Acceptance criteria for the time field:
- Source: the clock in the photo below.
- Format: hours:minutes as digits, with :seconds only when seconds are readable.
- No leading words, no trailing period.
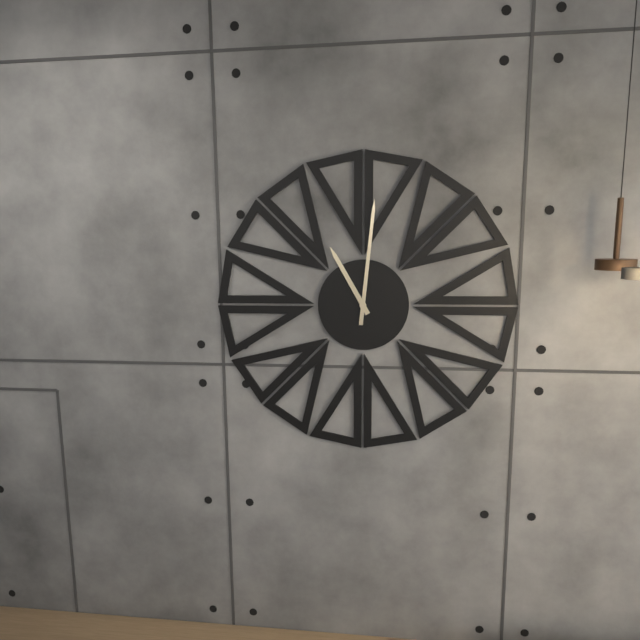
11:01
